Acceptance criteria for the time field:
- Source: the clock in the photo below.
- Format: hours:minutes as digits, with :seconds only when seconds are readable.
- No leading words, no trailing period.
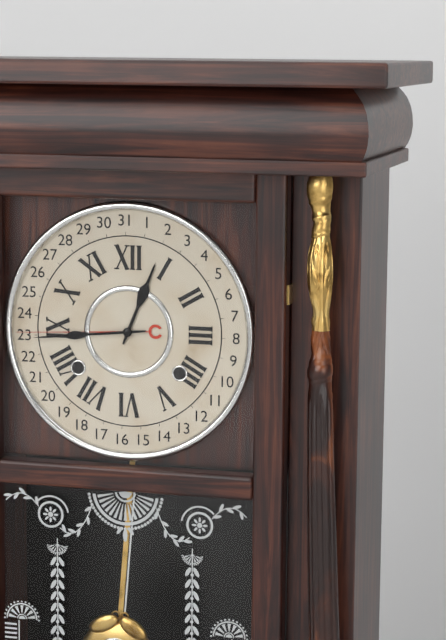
12:44
